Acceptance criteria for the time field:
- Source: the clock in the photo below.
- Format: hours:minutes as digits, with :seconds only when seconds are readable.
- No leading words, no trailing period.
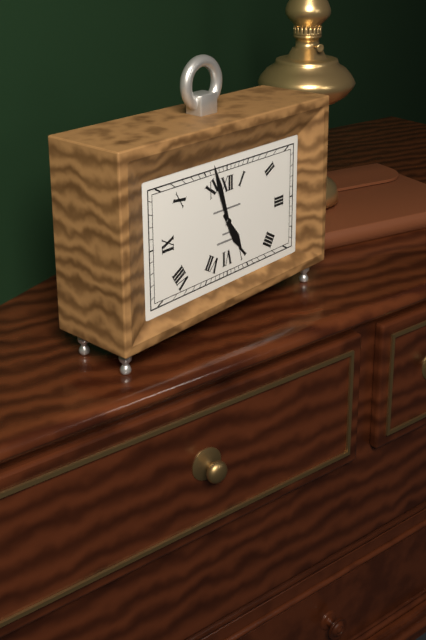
4:57
